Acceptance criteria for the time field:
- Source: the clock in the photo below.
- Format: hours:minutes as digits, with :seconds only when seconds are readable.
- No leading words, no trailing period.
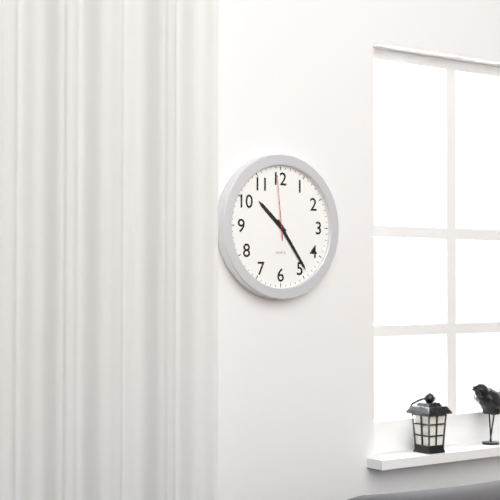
10:24:59
